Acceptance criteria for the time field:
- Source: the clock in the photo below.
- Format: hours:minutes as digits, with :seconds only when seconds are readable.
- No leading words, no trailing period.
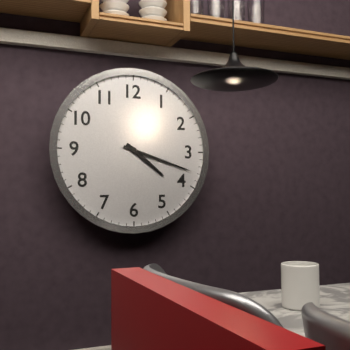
4:18
